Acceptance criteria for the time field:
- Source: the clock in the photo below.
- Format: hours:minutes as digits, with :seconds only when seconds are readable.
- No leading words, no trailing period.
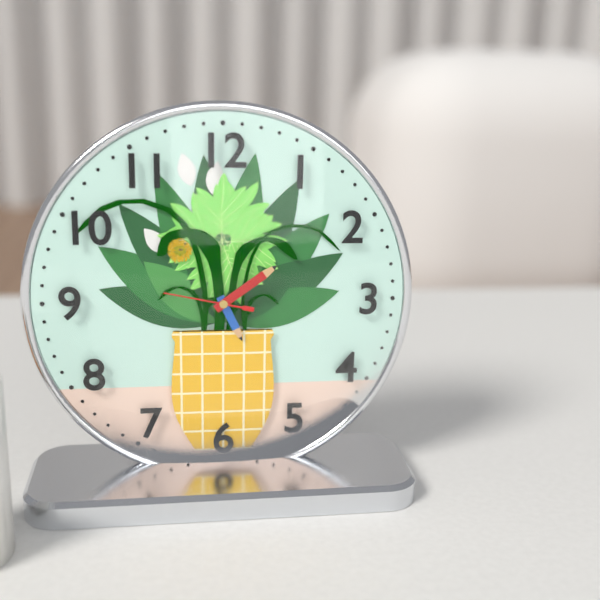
5:09:47
